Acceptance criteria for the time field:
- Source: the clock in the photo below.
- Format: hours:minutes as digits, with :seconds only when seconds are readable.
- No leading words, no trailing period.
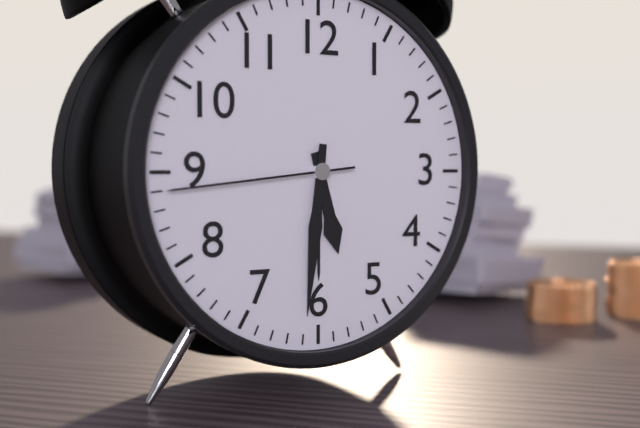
5:31:44
